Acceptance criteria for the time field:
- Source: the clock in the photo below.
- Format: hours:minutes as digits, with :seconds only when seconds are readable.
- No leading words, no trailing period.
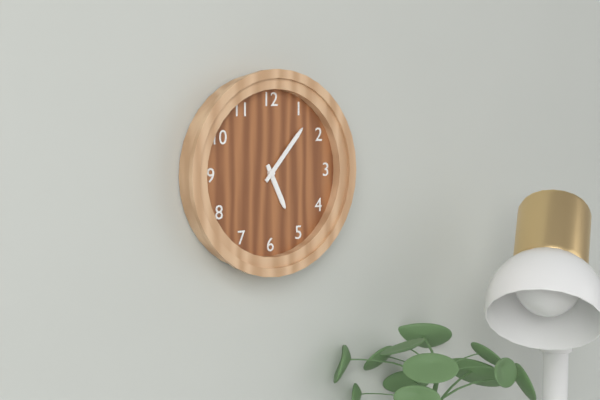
5:07
